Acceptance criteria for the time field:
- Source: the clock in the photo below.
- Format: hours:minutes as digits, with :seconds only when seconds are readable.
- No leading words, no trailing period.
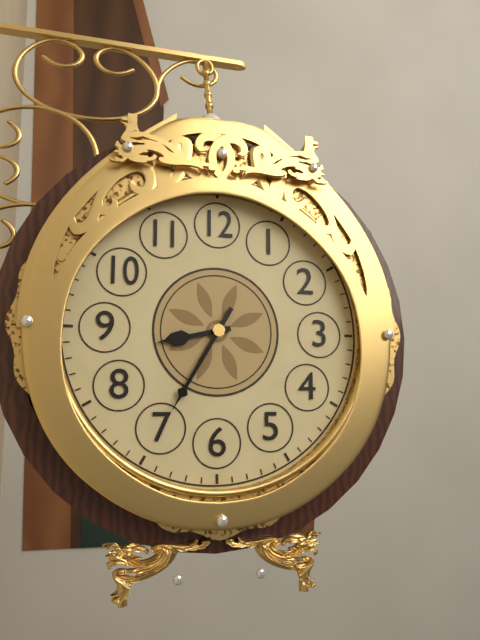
8:35
